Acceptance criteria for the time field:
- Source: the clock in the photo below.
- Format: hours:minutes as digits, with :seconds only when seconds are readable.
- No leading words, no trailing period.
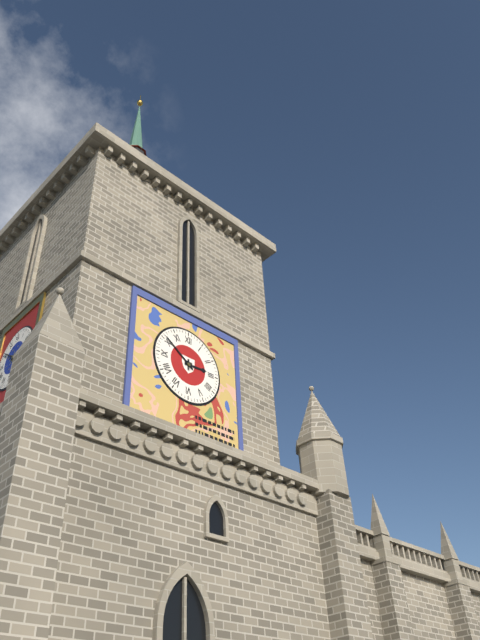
2:51
